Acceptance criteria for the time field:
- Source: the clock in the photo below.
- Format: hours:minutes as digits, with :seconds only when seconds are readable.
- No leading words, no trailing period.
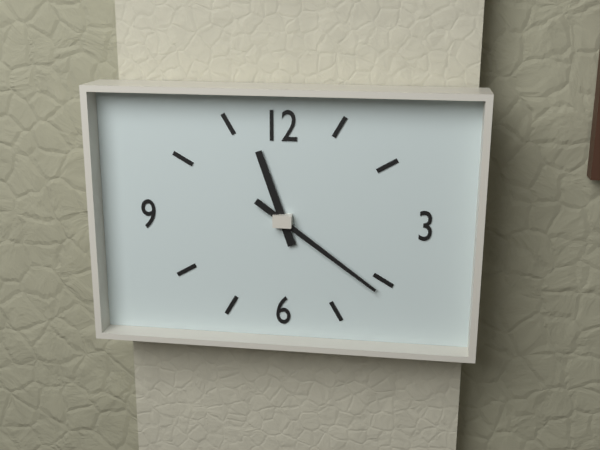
11:21
